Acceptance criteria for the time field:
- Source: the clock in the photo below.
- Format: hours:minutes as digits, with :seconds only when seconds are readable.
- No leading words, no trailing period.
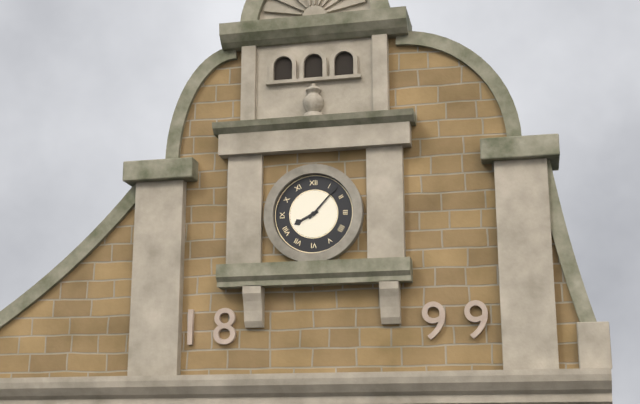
8:07
